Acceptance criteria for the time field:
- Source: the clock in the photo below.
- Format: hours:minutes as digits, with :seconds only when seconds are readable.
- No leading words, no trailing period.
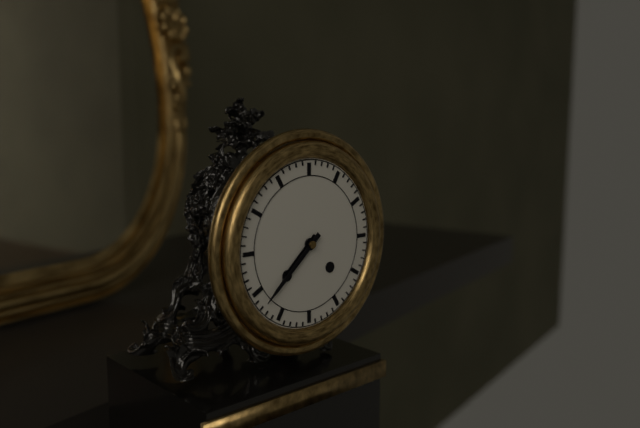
7:38
